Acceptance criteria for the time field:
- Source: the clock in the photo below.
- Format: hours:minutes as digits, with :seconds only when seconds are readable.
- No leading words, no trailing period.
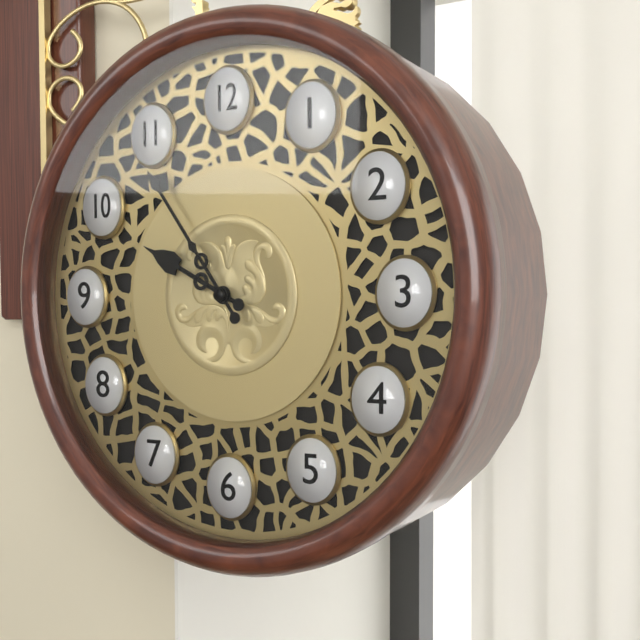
9:54
